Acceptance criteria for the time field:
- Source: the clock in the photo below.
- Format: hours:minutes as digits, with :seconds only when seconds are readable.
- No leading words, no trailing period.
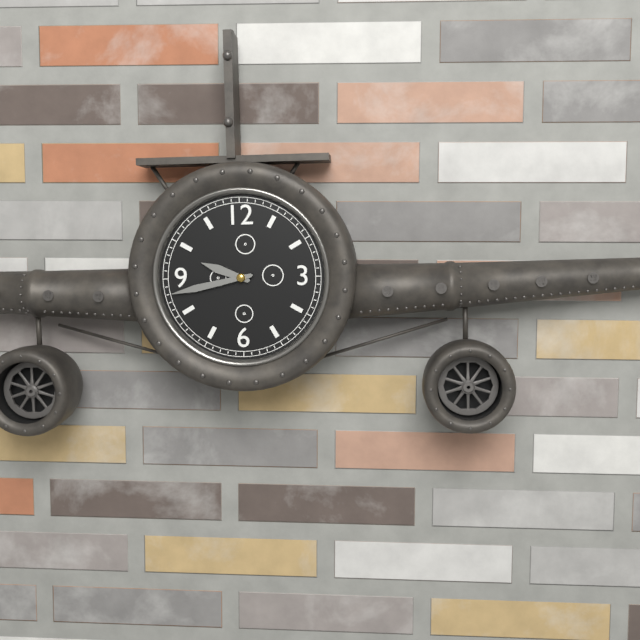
9:43
